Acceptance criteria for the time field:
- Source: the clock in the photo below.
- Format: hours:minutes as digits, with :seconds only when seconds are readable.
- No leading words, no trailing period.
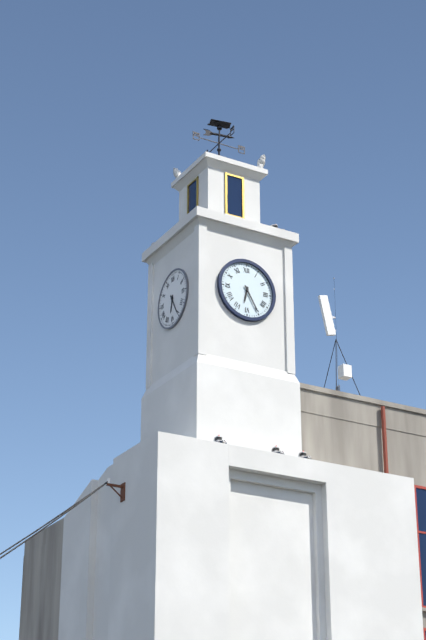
6:25
